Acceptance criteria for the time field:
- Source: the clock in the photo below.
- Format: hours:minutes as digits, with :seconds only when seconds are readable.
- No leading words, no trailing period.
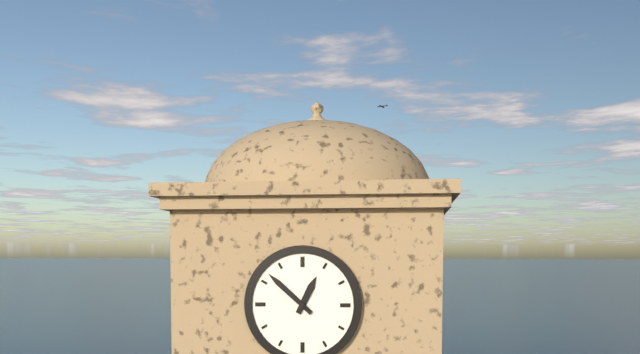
12:52
